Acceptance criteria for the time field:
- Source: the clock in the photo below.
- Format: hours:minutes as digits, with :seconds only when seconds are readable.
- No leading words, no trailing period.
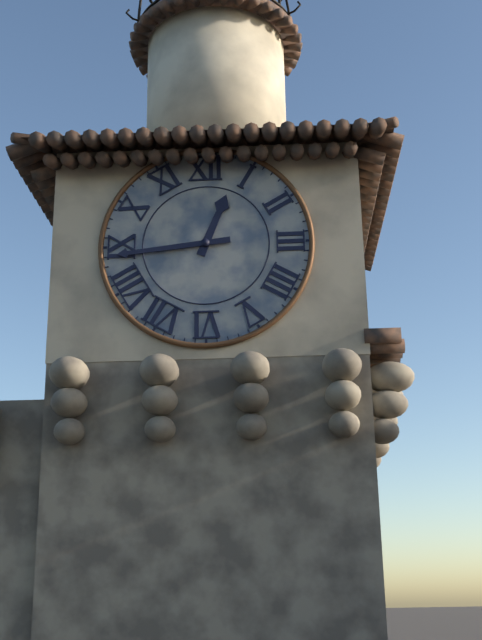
12:44
